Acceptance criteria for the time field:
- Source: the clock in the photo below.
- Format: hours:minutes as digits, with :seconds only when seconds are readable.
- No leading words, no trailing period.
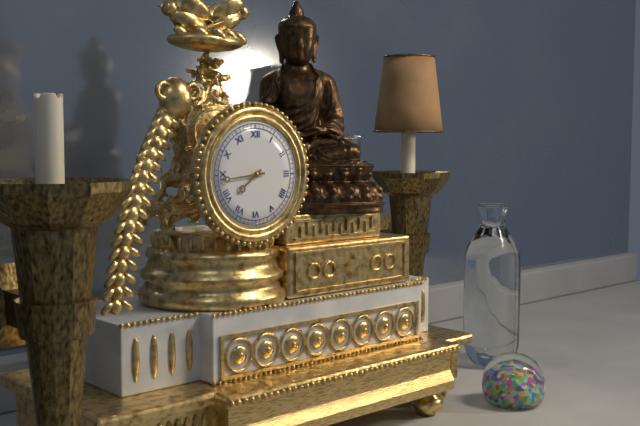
7:44
